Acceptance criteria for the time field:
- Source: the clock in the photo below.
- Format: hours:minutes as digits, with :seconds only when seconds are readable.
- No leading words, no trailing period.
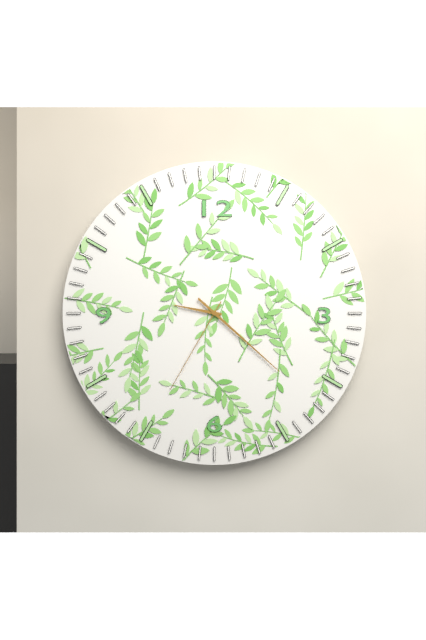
9:22:35
